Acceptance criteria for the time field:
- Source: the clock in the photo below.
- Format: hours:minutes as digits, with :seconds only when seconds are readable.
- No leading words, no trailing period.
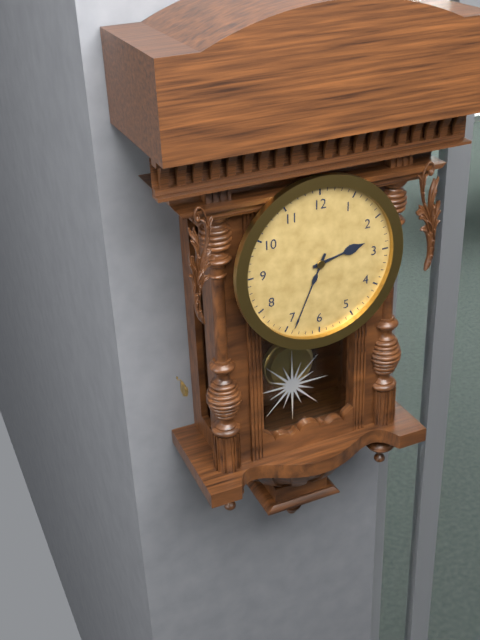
2:34
